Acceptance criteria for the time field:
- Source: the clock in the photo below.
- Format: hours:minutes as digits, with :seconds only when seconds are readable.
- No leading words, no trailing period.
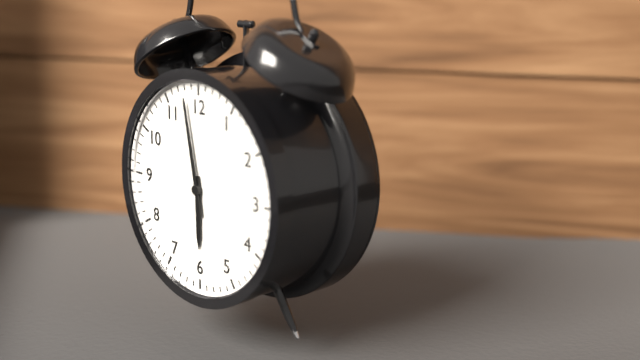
5:58
